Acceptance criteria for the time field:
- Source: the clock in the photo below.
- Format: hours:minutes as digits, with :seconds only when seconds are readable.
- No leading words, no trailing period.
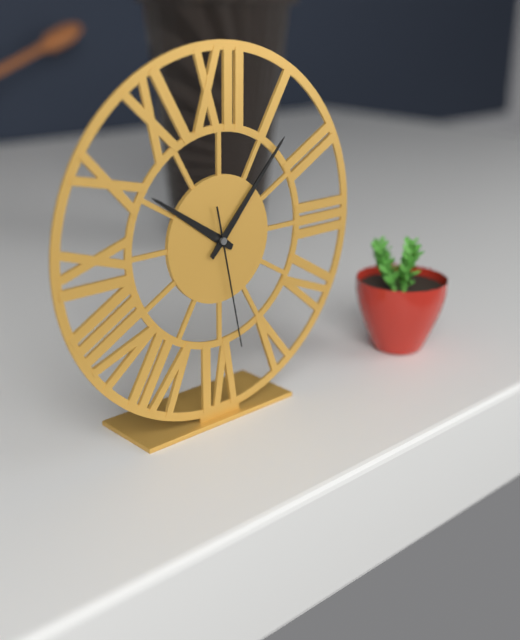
10:07:28
